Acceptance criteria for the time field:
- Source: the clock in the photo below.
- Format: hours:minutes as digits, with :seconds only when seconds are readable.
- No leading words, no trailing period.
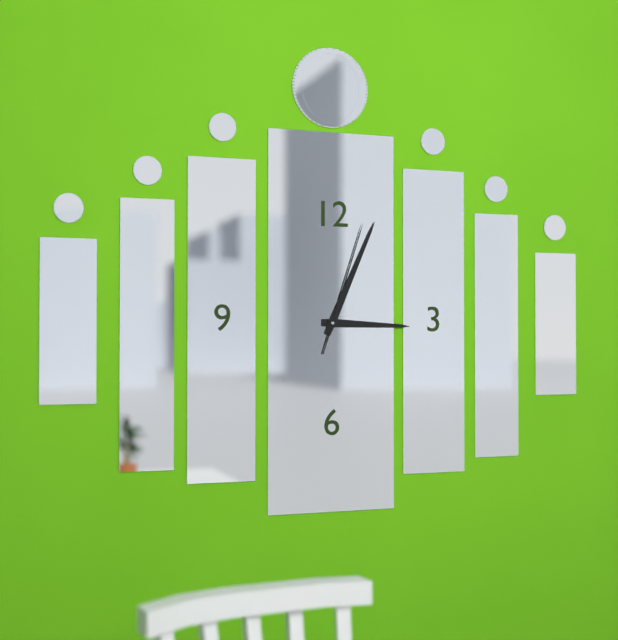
3:04:03
